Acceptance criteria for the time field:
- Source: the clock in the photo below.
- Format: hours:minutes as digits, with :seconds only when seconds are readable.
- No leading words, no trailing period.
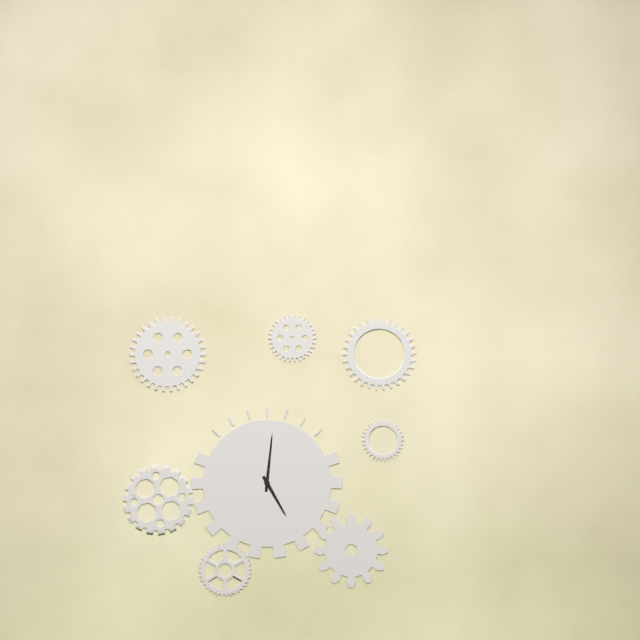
5:01
